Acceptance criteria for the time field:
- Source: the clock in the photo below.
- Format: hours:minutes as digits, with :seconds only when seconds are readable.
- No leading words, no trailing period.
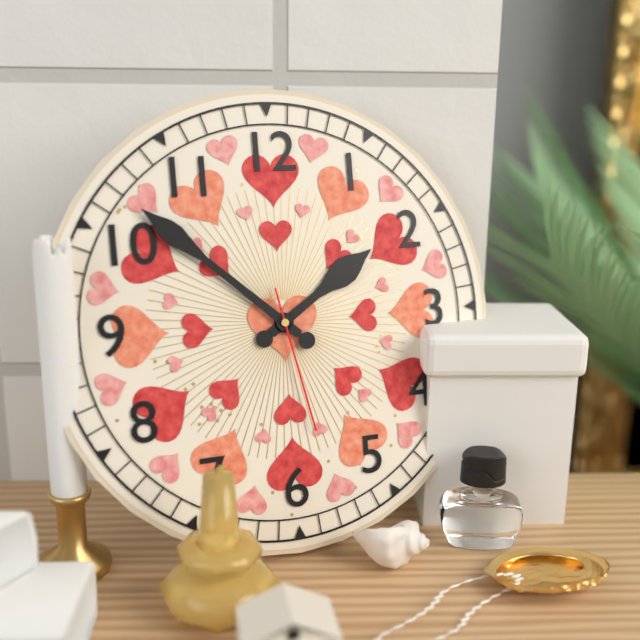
1:52:28
